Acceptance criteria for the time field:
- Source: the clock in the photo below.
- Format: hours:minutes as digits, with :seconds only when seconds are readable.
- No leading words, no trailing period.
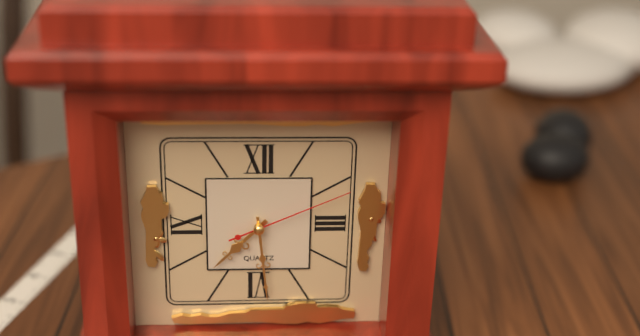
7:29:11
